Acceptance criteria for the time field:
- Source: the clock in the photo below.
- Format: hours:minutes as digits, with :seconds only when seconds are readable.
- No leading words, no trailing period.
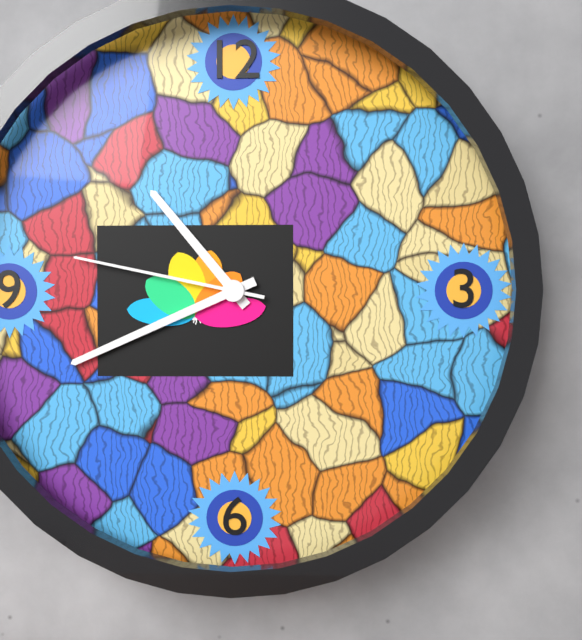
10:41:47
